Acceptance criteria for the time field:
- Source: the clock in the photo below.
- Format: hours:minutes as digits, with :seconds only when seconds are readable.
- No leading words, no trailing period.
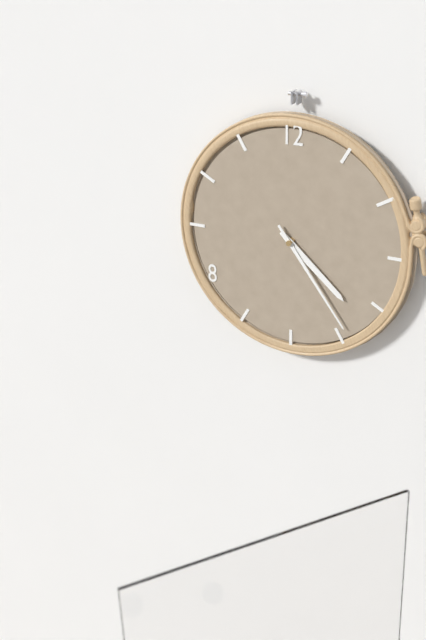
4:24
